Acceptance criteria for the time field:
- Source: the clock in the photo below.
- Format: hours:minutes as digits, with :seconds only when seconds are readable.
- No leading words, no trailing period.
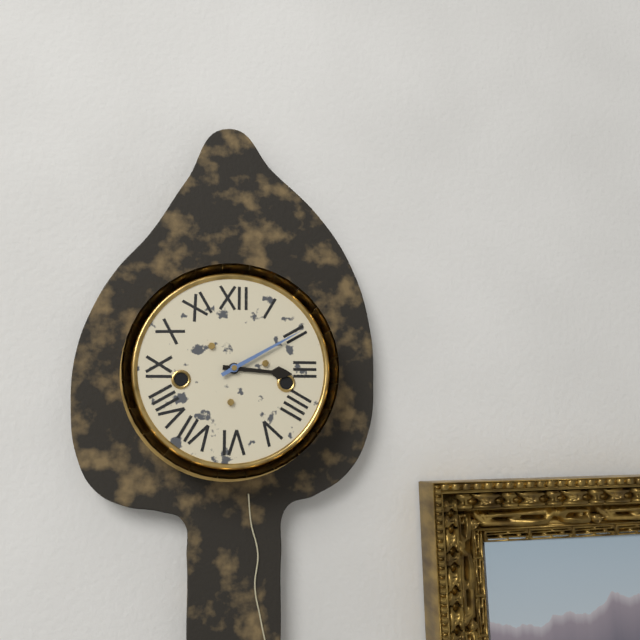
3:10
